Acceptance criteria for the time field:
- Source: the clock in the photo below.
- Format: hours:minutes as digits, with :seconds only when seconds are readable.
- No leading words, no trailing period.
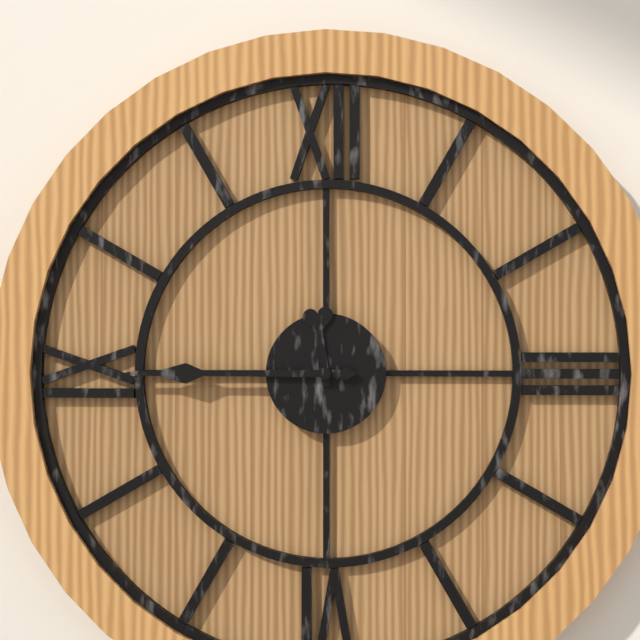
11:45
